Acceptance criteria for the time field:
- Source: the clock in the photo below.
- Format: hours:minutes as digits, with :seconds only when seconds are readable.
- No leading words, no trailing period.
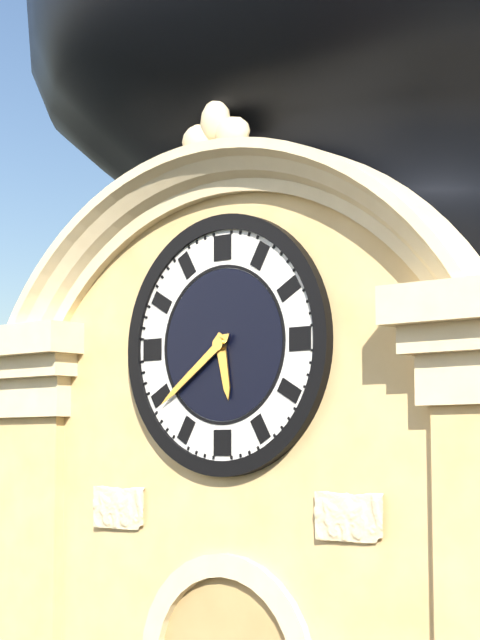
5:39
